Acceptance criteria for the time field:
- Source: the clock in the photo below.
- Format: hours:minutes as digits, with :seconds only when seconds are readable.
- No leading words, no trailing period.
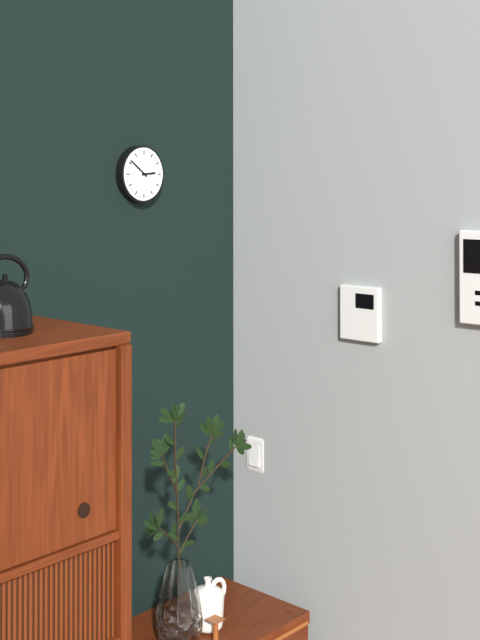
2:51
